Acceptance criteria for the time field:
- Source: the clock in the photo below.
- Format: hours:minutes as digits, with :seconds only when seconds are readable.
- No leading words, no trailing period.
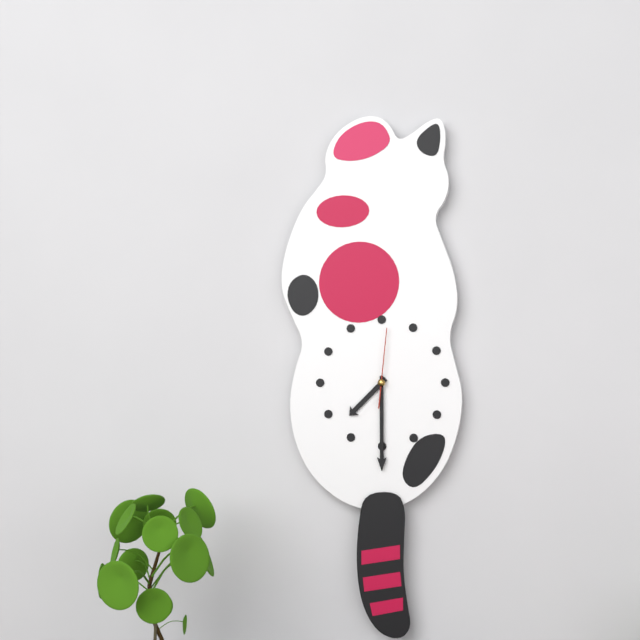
7:30:01
